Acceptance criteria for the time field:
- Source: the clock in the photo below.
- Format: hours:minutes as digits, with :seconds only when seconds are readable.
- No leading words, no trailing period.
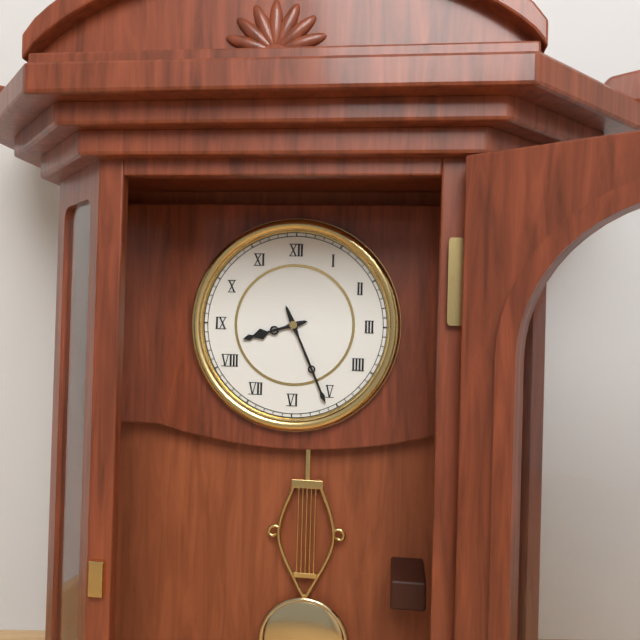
8:26
